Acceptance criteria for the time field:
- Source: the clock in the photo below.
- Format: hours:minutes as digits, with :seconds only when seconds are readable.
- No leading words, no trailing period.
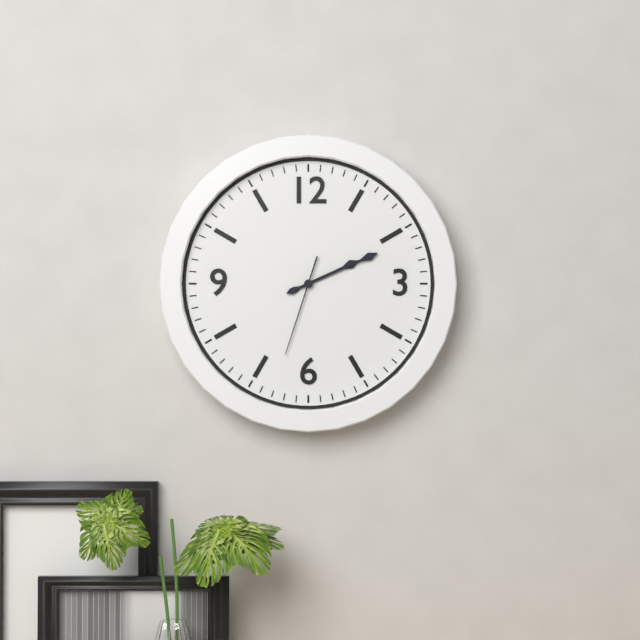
2:11:33
